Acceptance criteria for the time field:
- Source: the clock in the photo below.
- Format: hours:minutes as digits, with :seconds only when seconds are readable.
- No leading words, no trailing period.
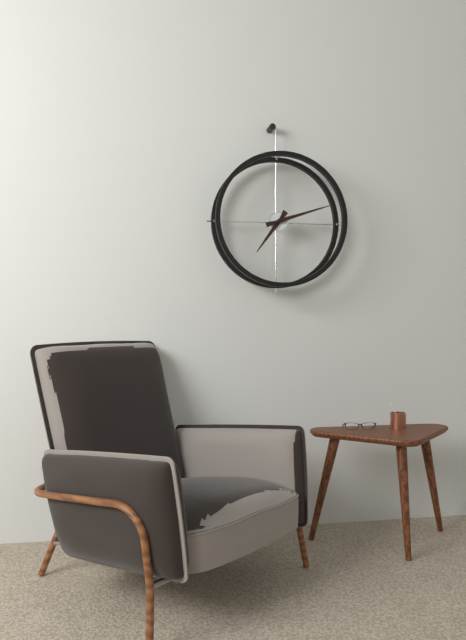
7:12
